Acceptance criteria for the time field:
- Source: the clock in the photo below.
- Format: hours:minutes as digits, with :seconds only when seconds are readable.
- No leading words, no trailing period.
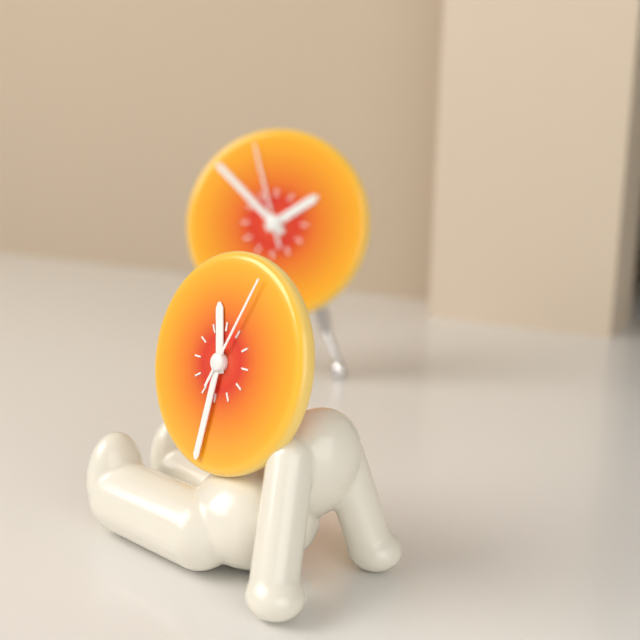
11:31:04
